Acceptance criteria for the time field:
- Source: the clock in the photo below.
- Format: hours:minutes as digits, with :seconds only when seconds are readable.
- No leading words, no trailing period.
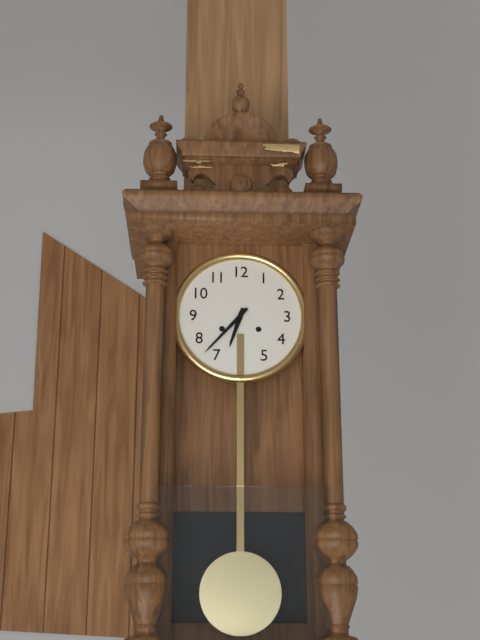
6:37
